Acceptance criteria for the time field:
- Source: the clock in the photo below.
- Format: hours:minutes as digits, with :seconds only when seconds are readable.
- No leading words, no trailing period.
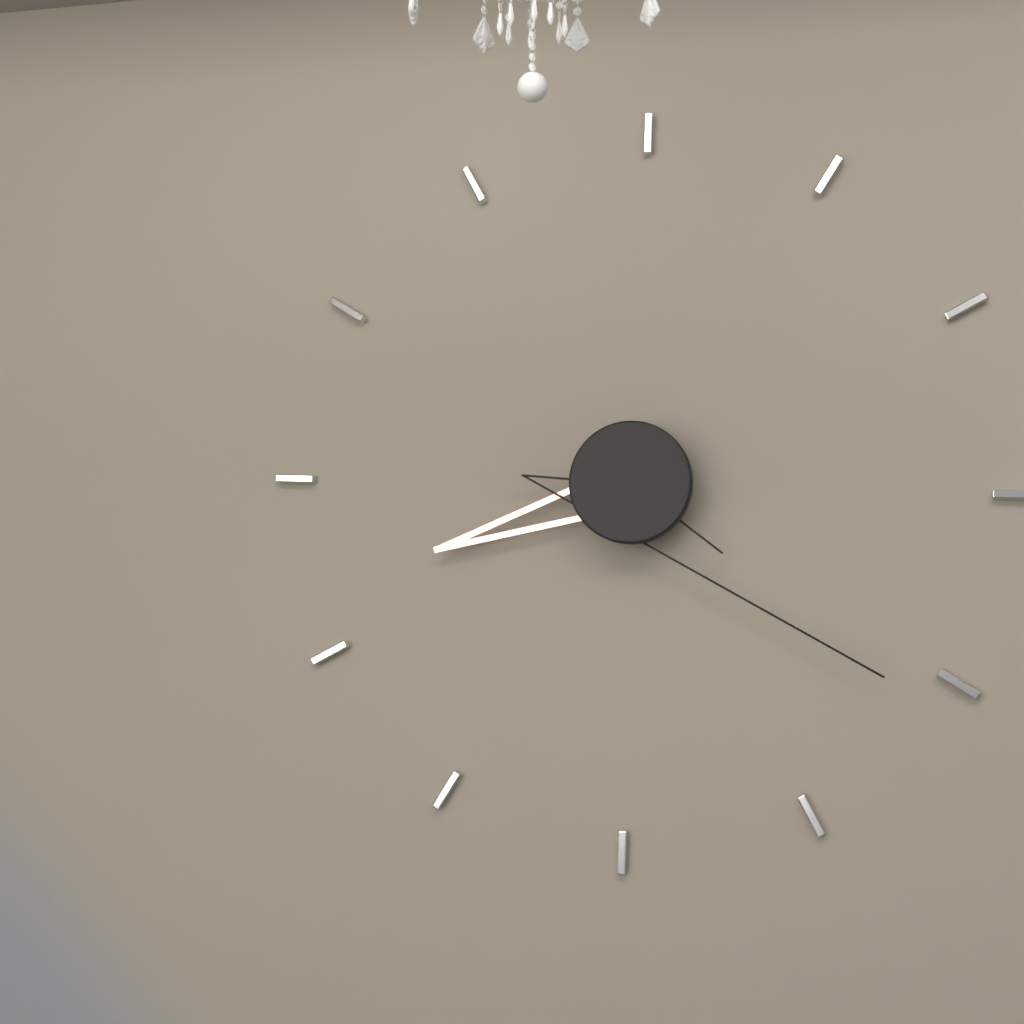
8:21
